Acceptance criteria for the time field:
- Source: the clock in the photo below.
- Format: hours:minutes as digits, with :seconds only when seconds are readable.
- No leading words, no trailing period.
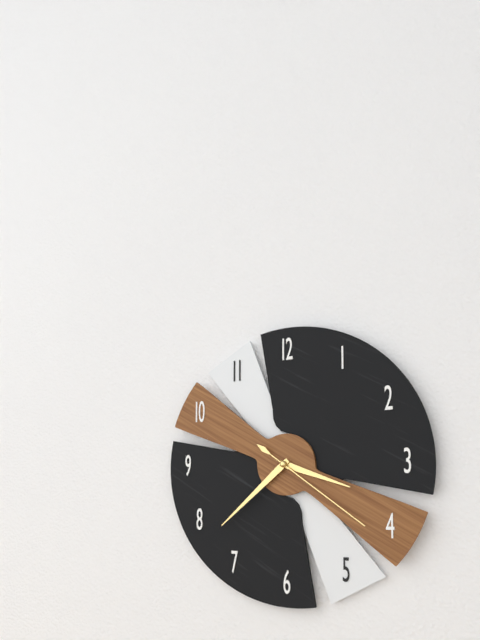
3:38:21
